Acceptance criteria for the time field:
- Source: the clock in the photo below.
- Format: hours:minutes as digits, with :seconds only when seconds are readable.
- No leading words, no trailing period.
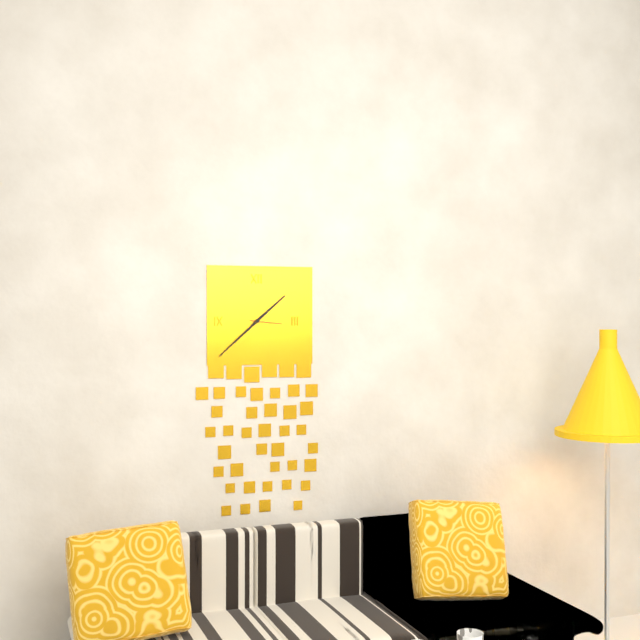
1:38
